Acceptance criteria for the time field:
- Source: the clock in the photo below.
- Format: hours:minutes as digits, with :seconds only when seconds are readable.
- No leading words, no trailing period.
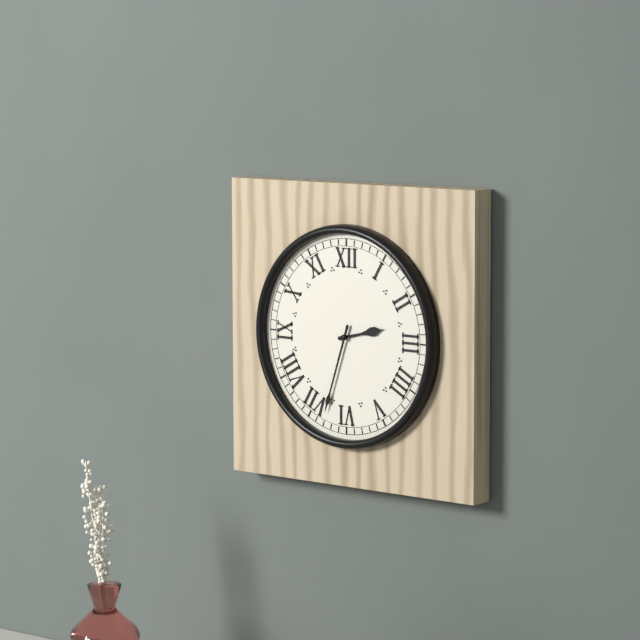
2:33
